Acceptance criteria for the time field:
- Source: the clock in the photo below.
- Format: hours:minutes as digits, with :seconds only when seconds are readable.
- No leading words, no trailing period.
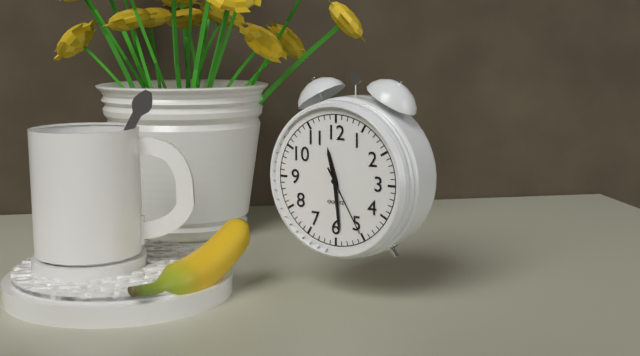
11:29:25
